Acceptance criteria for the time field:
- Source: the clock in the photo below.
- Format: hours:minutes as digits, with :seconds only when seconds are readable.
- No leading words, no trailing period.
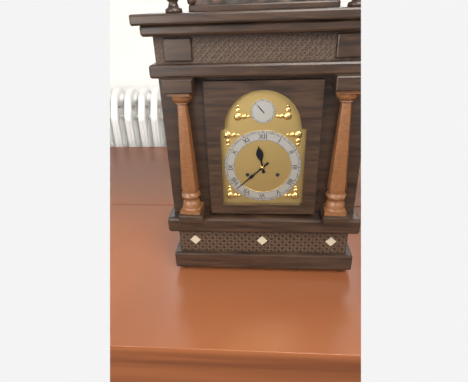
11:38
